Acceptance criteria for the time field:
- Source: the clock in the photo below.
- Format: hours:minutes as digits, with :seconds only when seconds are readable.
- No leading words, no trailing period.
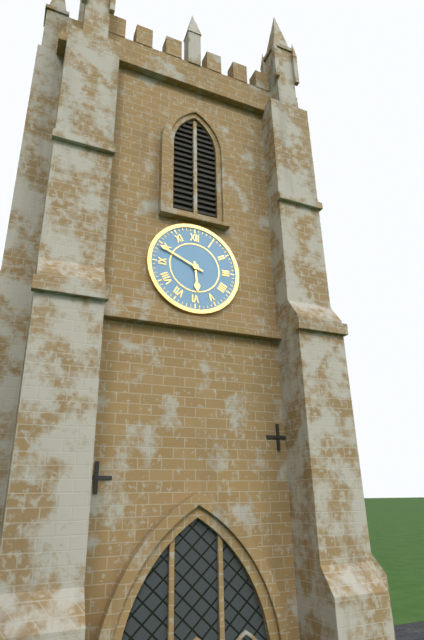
5:49
